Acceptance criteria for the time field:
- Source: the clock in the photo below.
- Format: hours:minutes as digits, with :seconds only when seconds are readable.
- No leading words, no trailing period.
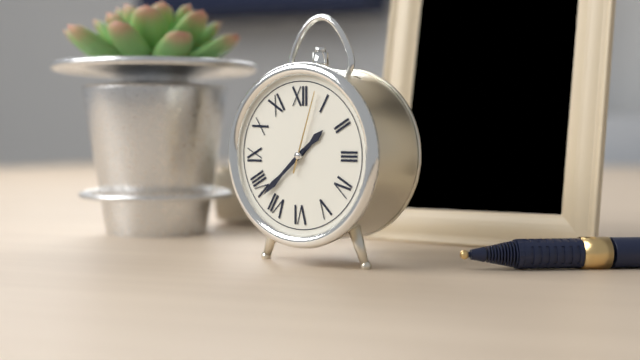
1:38:03
